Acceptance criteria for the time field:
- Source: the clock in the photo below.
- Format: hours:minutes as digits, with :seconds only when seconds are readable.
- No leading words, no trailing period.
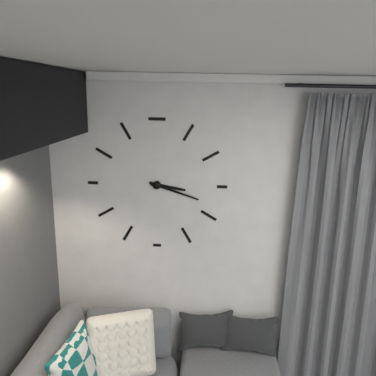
3:18
